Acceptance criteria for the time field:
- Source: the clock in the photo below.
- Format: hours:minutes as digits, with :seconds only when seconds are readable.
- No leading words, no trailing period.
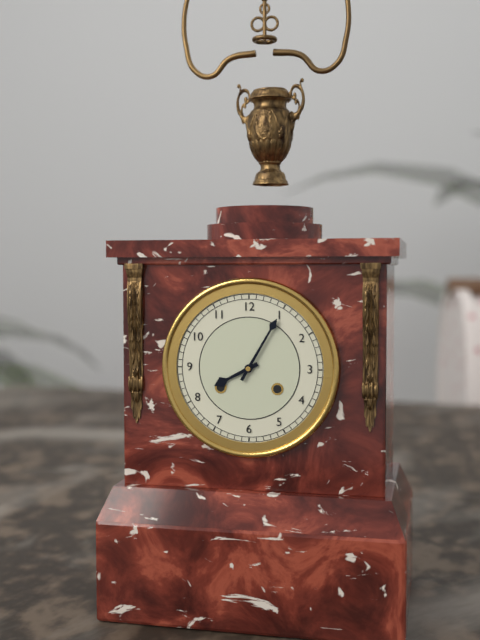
8:05
